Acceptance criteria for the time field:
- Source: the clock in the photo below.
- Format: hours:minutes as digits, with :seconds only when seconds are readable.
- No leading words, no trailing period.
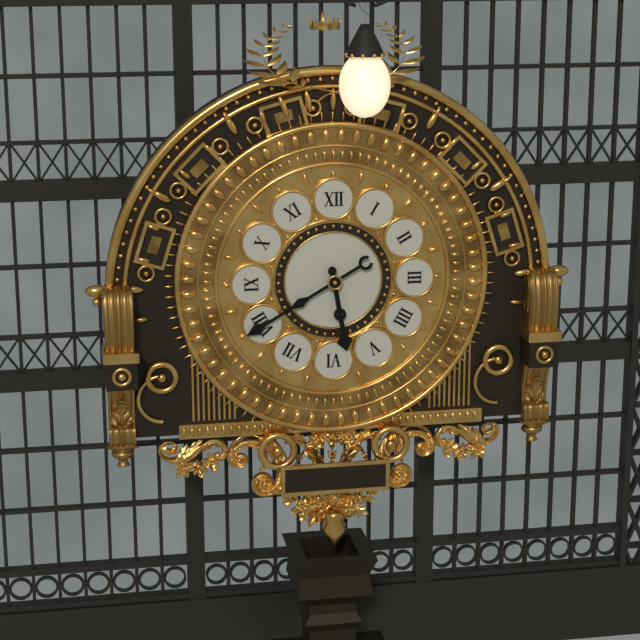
5:40
